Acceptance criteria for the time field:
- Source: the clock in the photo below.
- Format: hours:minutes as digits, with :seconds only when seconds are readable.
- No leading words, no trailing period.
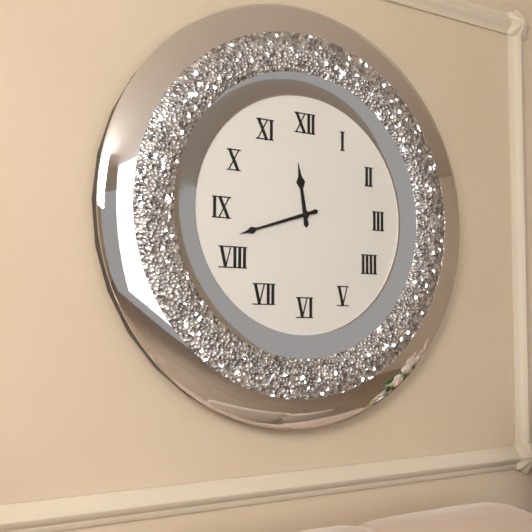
11:42
